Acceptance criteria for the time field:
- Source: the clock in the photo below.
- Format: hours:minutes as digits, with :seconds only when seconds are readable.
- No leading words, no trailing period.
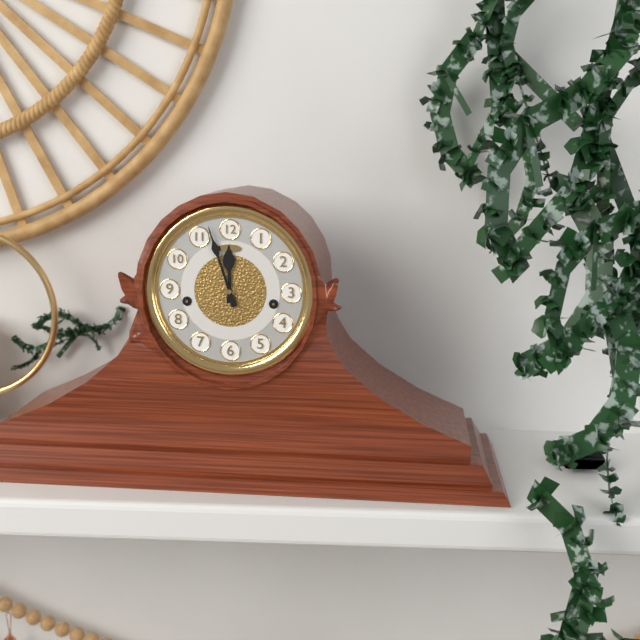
11:57
